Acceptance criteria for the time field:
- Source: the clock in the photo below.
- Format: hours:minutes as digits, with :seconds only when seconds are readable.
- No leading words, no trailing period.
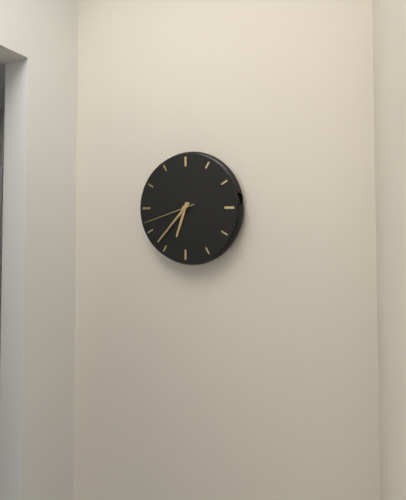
6:37:42
